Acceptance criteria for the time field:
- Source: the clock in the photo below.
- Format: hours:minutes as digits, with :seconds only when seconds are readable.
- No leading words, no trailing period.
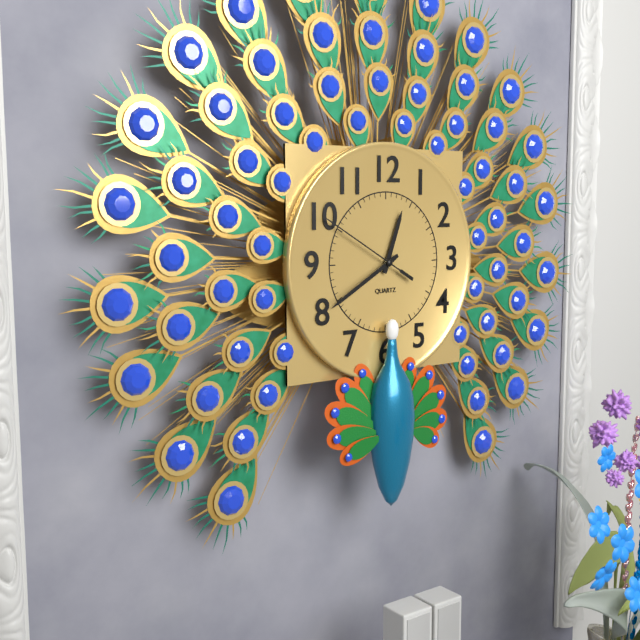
12:40:50
